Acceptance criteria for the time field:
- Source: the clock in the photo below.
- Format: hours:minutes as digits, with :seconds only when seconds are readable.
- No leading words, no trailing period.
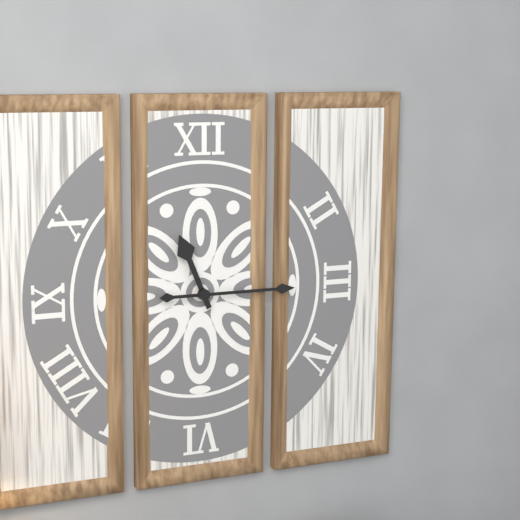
11:15
